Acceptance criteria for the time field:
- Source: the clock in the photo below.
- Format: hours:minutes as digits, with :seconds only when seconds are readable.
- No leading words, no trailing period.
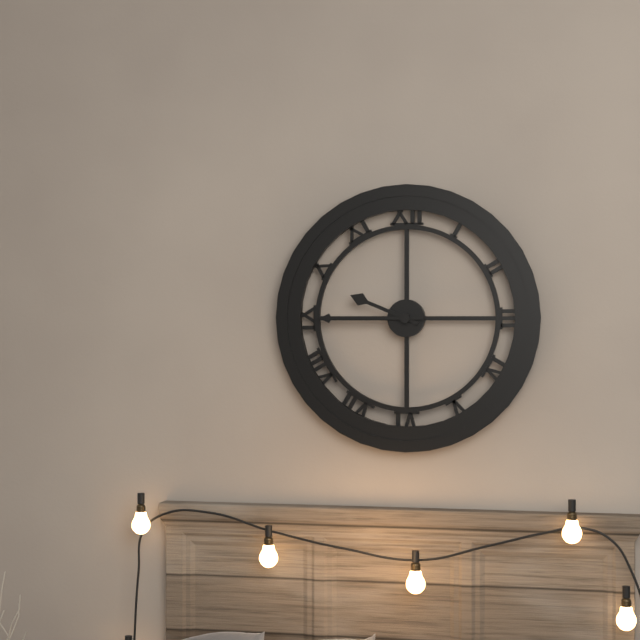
9:45
